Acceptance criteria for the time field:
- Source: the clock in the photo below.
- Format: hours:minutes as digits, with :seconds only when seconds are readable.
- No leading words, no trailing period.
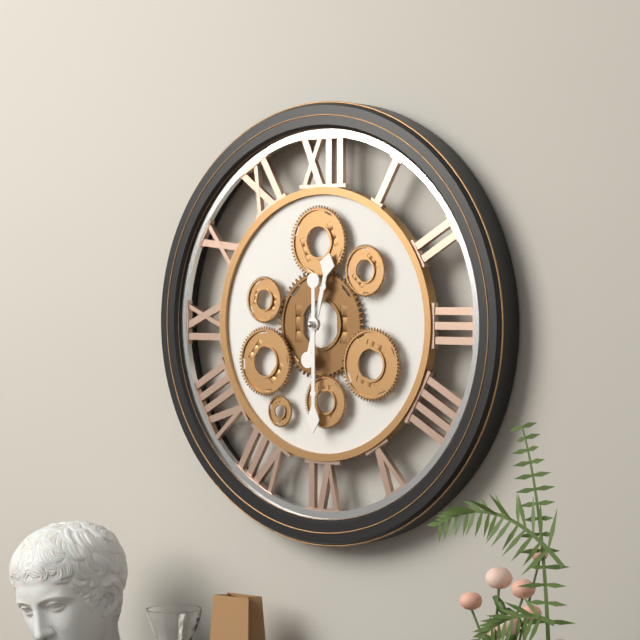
12:30
